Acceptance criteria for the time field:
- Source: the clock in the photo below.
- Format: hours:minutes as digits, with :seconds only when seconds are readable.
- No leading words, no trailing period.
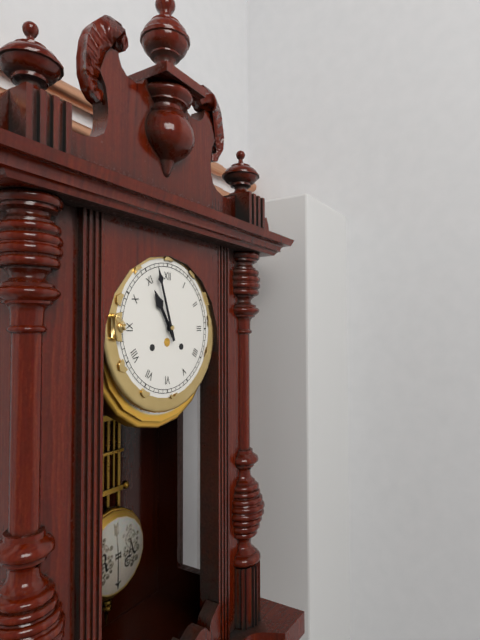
10:57
